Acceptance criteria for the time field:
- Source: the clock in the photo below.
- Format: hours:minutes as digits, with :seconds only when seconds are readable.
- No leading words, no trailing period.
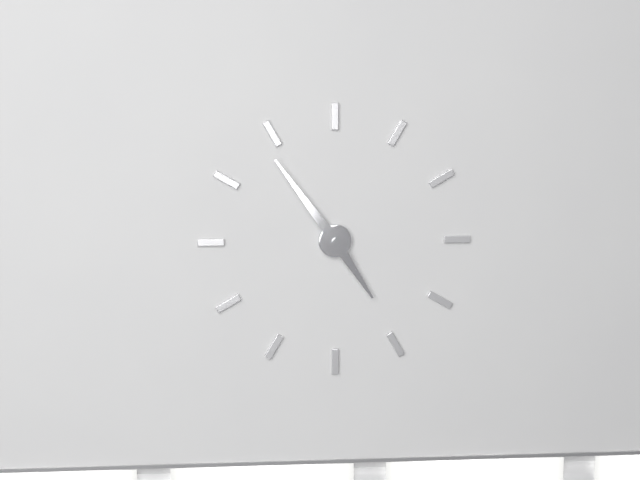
4:54
